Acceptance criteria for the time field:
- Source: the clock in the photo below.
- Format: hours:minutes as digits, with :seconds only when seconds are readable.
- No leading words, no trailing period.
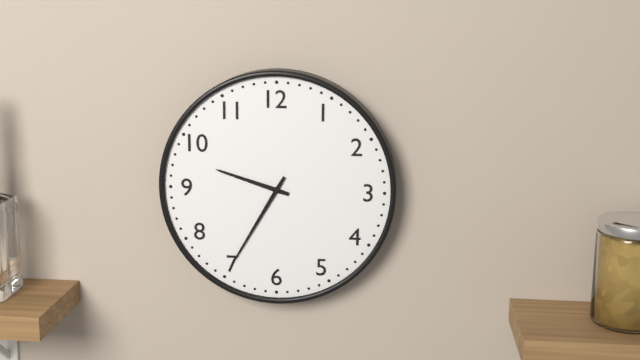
9:35
